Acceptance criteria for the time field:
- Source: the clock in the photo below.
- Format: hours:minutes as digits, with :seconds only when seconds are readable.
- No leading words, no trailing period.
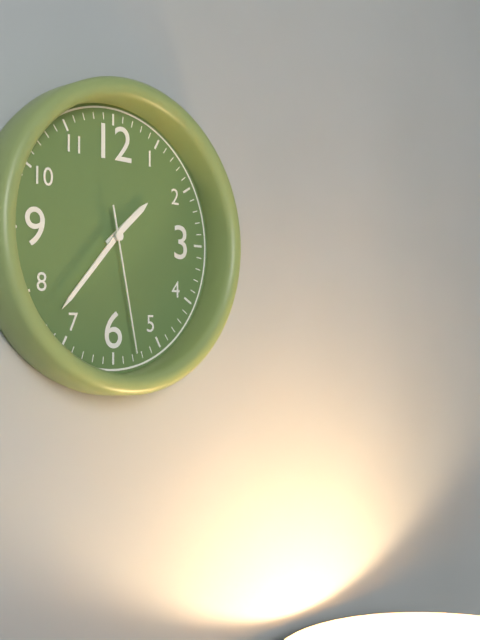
1:37:28
